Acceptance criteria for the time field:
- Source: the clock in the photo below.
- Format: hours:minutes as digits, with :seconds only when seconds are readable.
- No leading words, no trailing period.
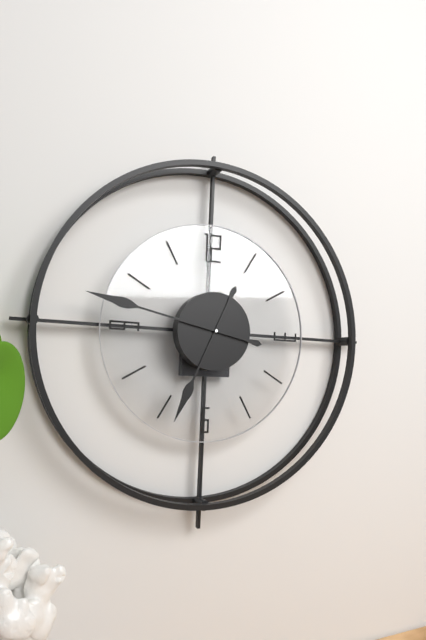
6:47
